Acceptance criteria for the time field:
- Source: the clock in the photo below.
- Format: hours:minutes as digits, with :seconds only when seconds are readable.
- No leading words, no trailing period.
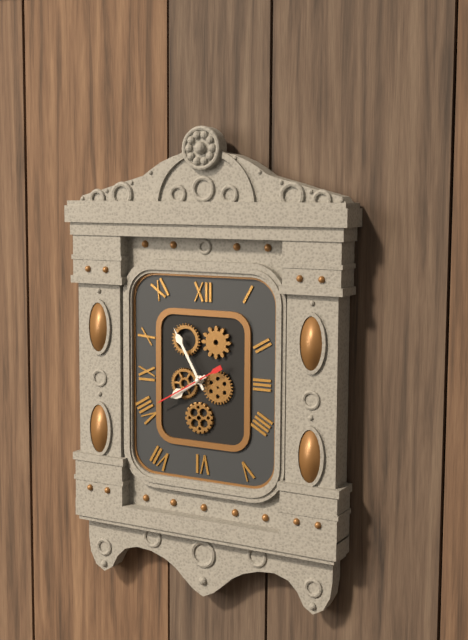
7:55:40
